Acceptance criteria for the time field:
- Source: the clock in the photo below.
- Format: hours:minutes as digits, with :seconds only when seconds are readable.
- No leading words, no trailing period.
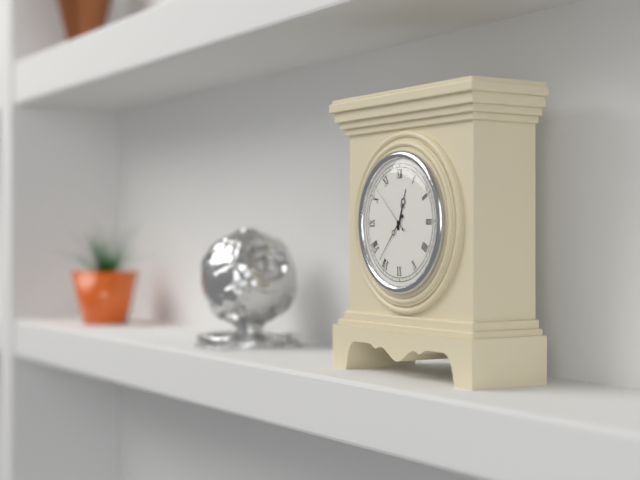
12:37:52
